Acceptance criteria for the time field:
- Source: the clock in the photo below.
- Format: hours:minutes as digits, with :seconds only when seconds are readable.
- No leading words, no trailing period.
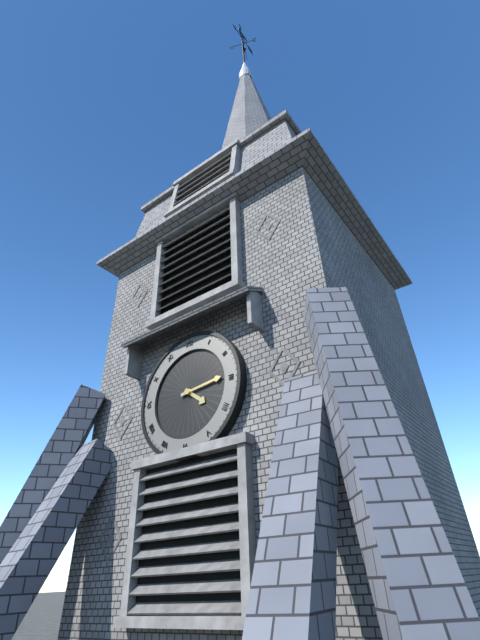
4:14
